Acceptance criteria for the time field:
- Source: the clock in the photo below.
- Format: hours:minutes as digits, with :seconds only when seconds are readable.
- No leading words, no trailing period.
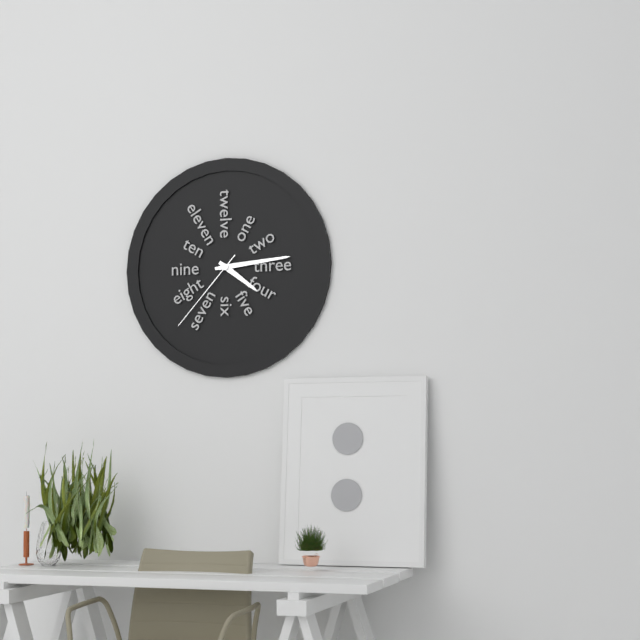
4:14:37
